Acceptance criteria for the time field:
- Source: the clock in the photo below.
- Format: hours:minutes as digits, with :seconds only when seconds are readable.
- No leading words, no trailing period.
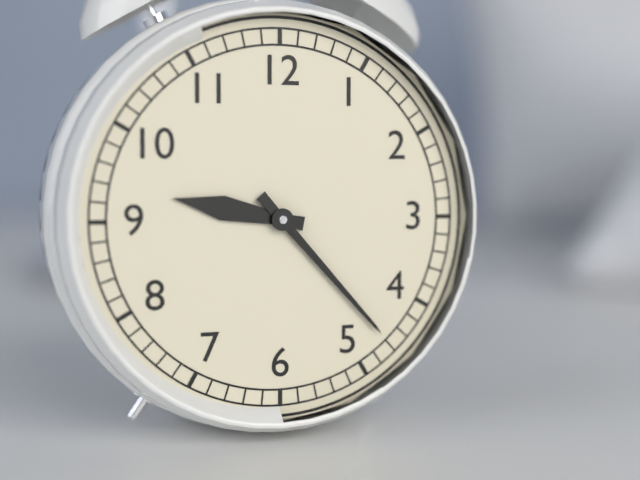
9:23
